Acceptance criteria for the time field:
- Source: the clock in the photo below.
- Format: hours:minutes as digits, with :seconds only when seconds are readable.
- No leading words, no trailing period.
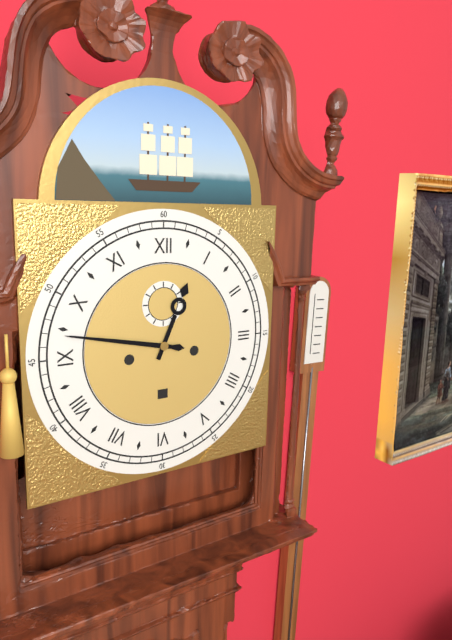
12:47
